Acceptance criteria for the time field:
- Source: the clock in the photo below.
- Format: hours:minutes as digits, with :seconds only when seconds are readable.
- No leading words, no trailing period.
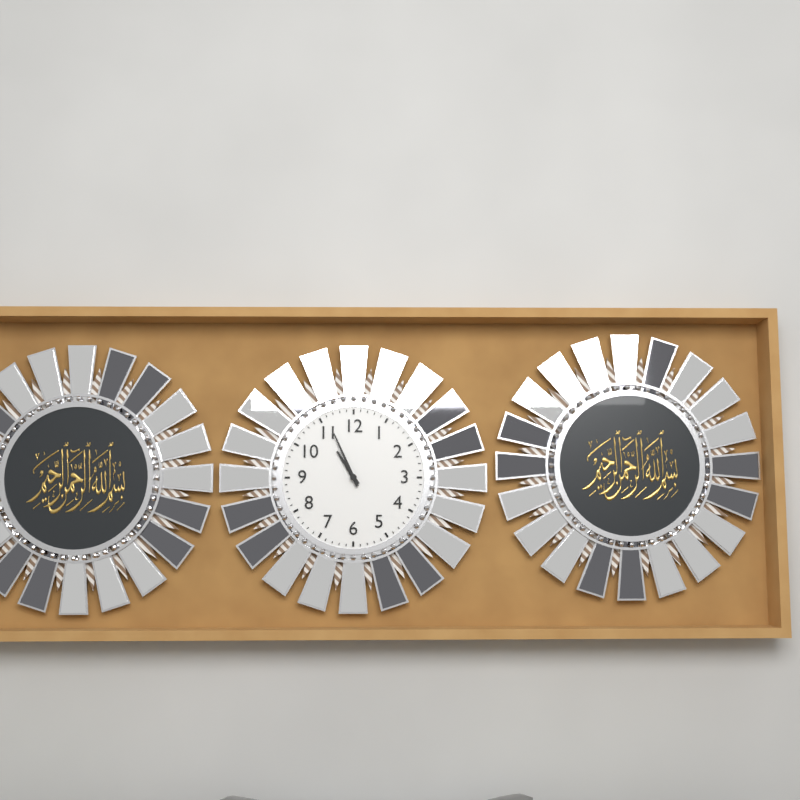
10:56
